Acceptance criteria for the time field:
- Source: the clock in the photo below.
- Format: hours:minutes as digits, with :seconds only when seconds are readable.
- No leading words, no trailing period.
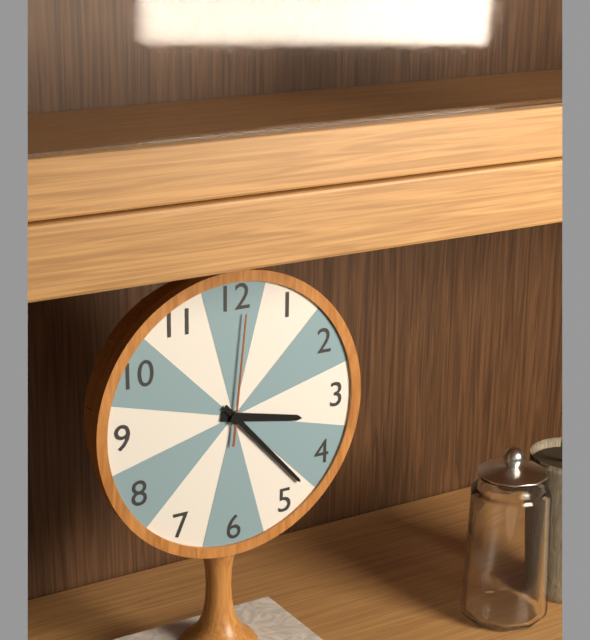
3:23:01
